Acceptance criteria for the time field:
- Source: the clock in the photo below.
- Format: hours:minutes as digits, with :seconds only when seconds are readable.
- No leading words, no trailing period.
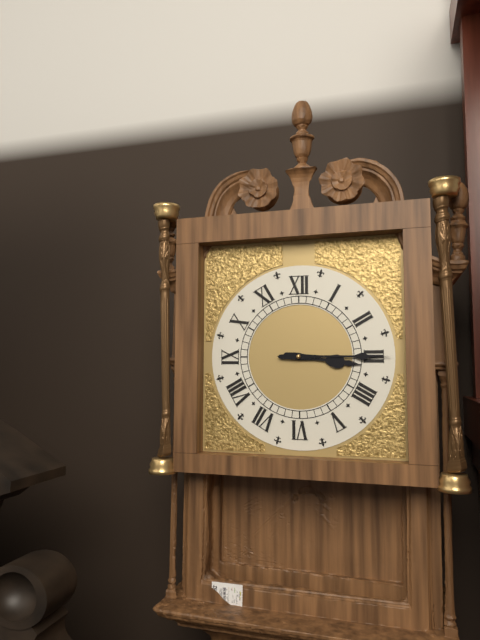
3:15
